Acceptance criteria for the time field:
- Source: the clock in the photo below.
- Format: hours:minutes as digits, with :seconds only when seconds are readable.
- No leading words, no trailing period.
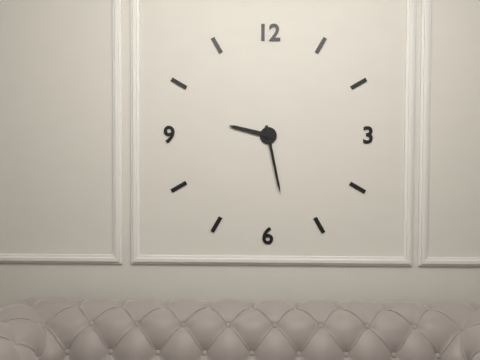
9:28
